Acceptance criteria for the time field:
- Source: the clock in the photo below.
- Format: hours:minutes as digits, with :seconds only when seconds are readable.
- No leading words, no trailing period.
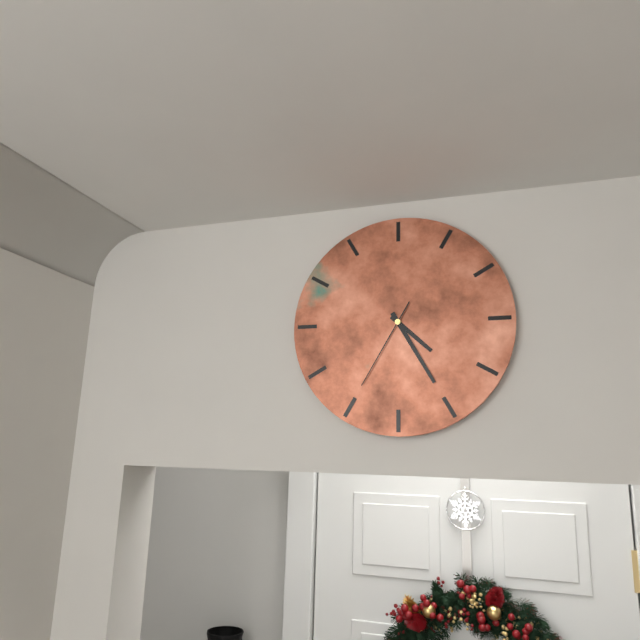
4:25:35
